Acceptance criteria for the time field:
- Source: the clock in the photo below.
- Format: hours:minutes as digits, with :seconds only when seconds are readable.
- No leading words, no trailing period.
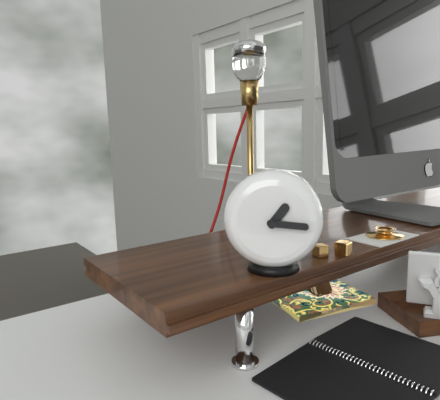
1:16
